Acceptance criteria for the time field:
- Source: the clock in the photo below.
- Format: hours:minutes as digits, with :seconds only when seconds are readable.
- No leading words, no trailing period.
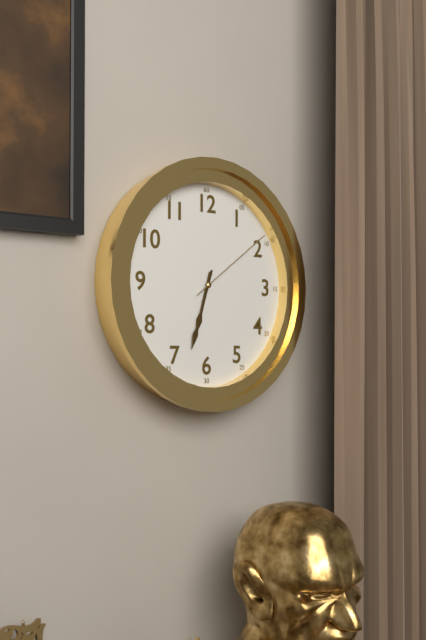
6:33:09
